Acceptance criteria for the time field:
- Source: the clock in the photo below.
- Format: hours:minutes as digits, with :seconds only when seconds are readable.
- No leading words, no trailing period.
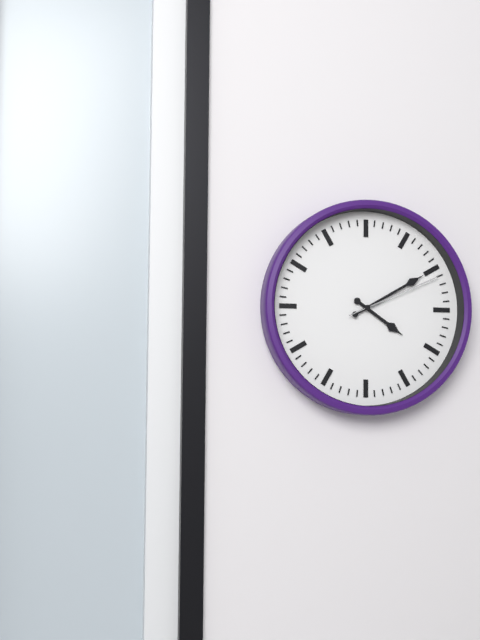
4:10:11
